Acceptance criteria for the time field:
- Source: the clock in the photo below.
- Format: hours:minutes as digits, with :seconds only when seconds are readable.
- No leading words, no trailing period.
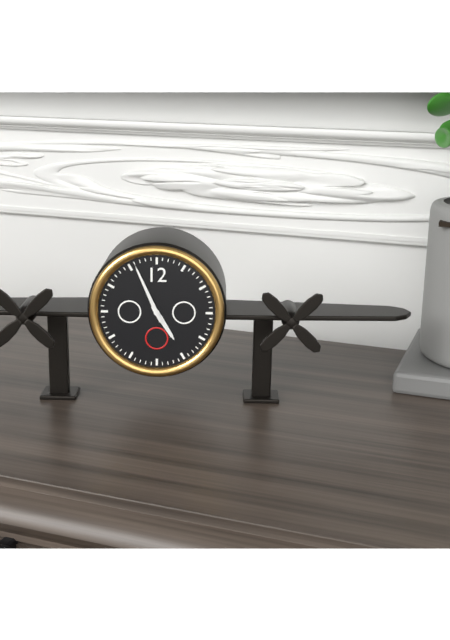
4:56
